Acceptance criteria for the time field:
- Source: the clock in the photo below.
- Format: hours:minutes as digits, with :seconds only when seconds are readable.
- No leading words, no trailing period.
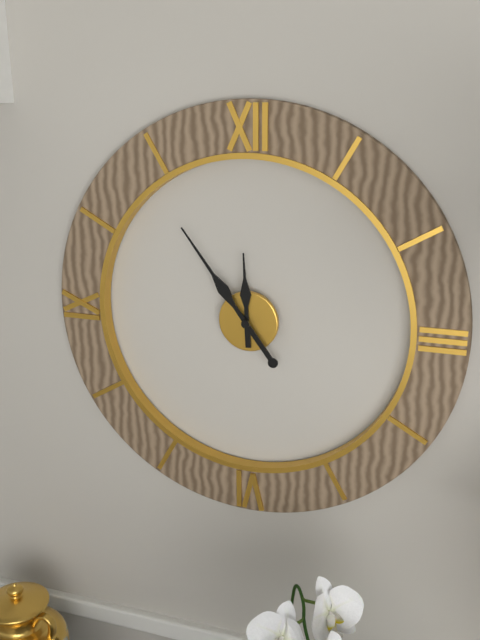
11:54
